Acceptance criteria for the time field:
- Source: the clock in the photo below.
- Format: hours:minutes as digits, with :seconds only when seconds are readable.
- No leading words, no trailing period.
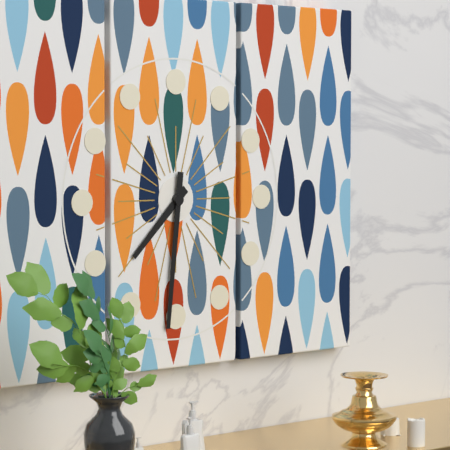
7:31
